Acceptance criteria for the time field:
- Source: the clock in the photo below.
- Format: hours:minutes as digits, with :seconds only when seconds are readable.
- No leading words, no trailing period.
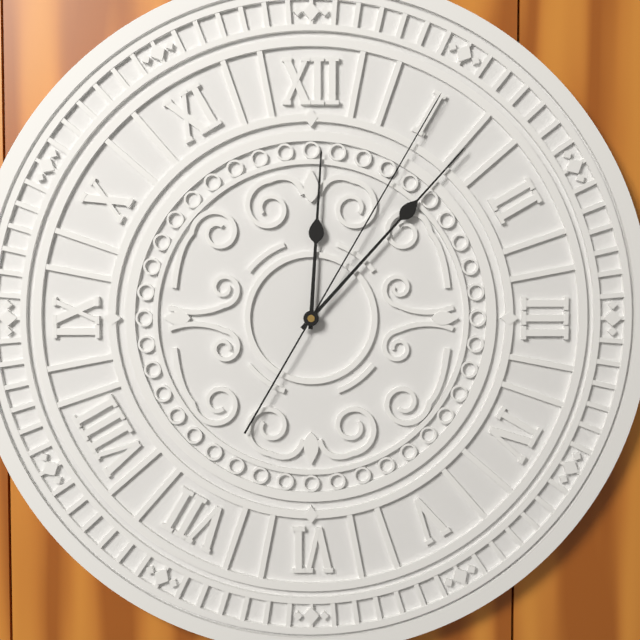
12:07:05
